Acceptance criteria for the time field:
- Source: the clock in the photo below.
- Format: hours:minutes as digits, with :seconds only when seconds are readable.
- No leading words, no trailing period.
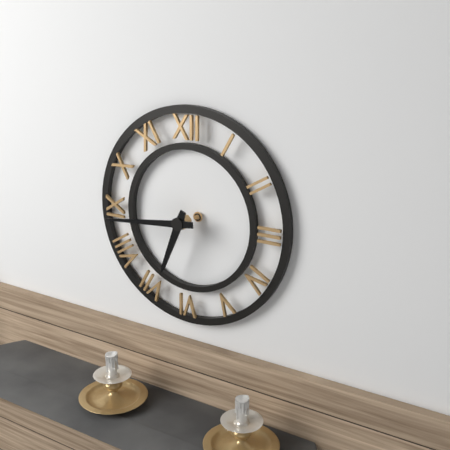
6:44
